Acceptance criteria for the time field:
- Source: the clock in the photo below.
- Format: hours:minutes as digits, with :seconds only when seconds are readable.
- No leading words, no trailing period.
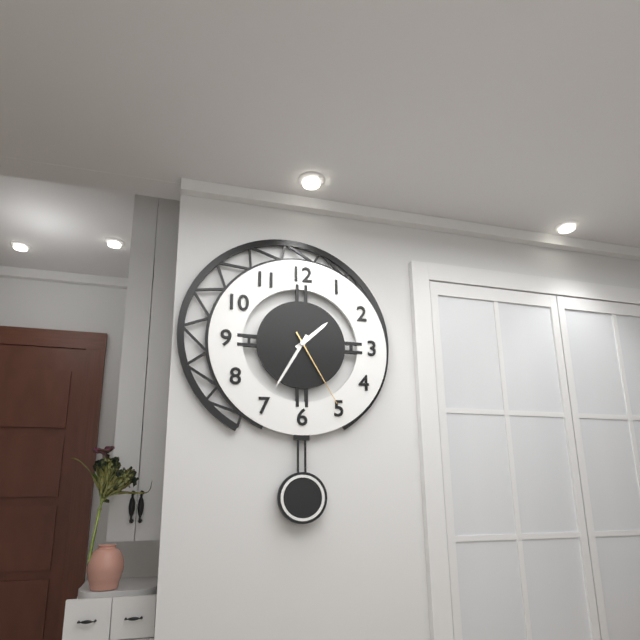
1:35:25
